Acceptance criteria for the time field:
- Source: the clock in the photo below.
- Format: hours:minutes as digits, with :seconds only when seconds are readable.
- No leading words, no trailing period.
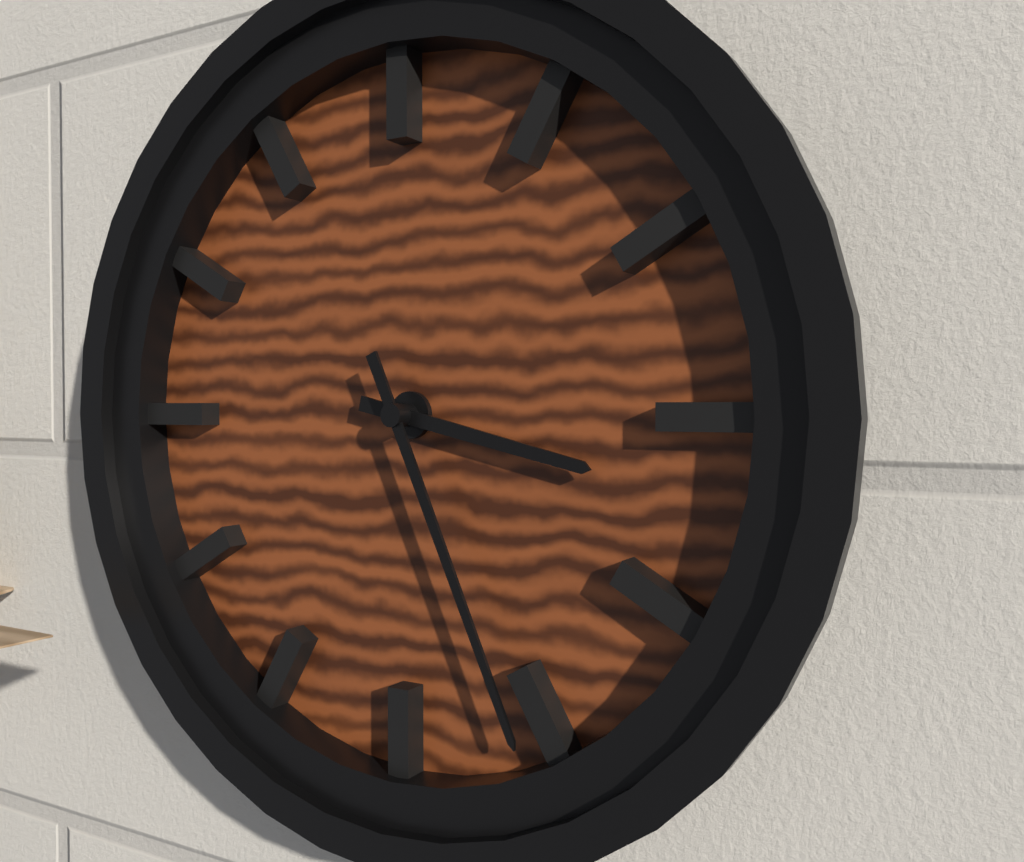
3:26
